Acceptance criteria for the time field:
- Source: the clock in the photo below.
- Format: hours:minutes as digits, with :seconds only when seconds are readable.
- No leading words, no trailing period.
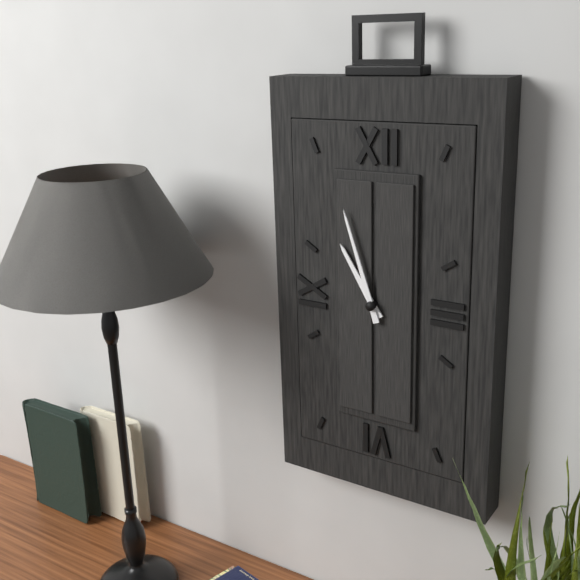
10:57
